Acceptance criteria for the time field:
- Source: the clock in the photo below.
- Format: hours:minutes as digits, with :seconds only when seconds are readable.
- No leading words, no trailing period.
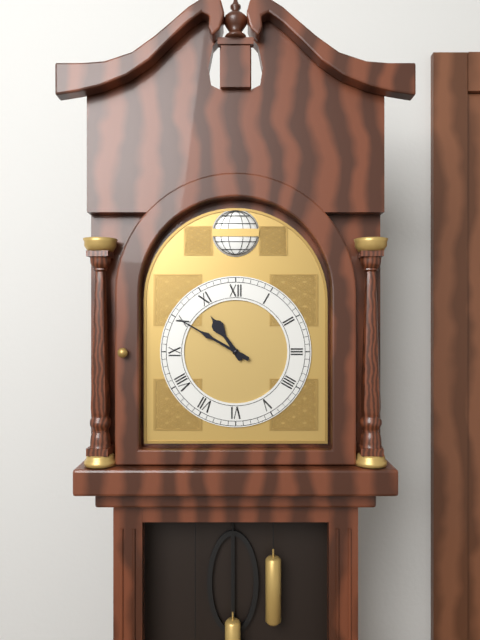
10:50
